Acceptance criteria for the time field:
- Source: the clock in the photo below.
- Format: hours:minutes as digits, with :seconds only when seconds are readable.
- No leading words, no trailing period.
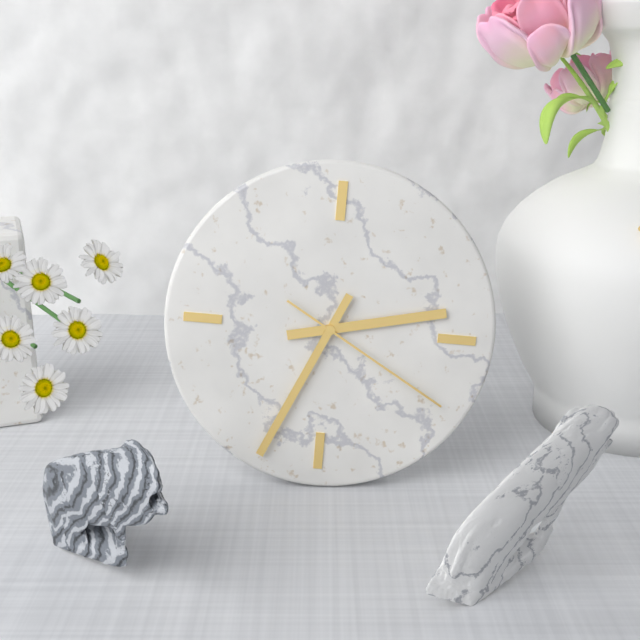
2:34:20
